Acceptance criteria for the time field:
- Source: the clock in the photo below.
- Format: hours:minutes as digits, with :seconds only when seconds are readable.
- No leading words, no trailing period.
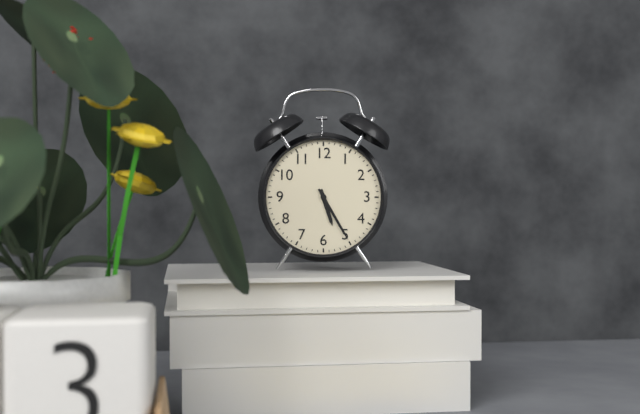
5:25
